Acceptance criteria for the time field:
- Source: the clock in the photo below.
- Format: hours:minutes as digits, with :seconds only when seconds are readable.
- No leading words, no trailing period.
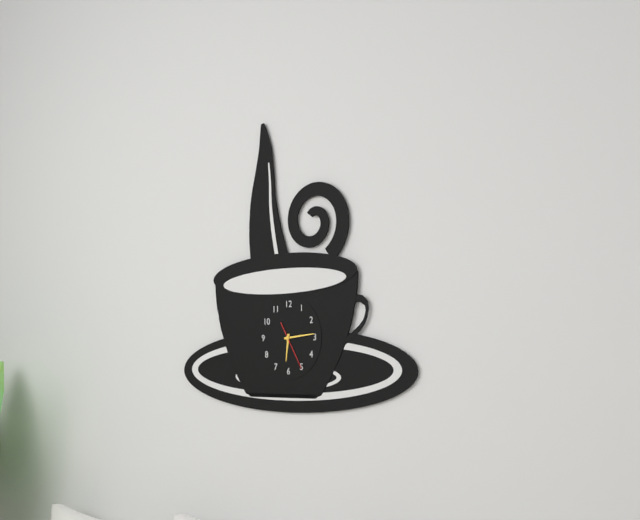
6:14
